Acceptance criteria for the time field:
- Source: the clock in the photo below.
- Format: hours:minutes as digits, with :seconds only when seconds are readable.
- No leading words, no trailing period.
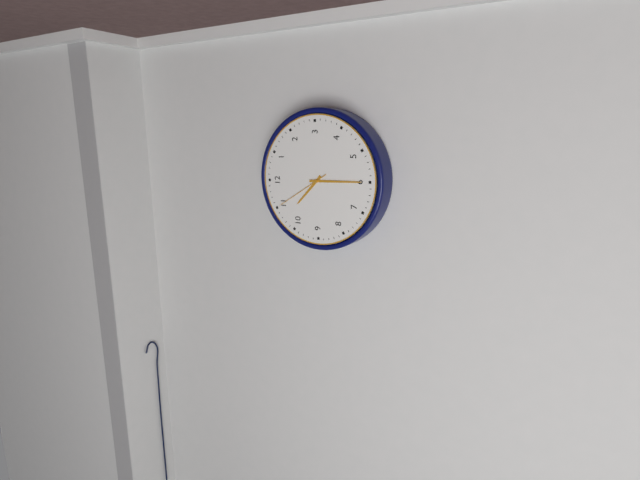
10:30:55
